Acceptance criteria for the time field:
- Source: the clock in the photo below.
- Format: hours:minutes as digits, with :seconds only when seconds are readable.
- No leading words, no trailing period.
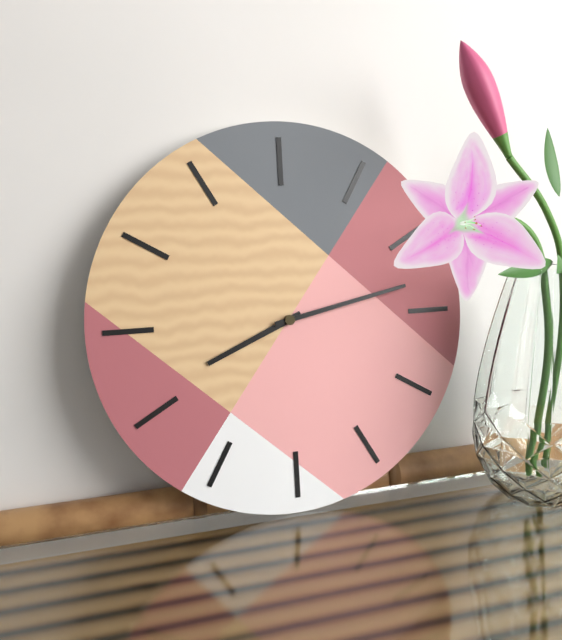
8:13
